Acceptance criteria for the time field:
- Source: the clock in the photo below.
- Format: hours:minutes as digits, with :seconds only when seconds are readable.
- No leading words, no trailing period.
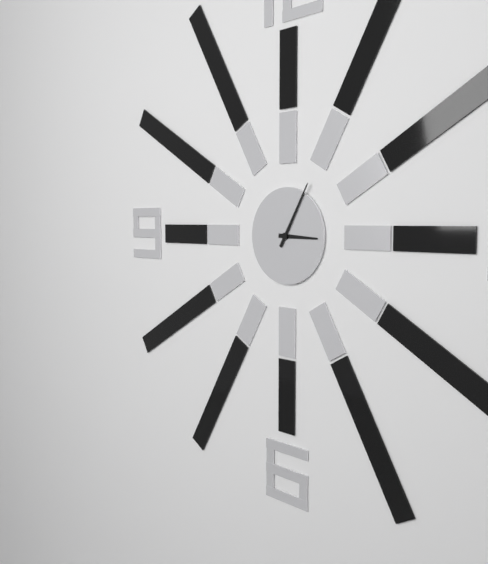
3:05
